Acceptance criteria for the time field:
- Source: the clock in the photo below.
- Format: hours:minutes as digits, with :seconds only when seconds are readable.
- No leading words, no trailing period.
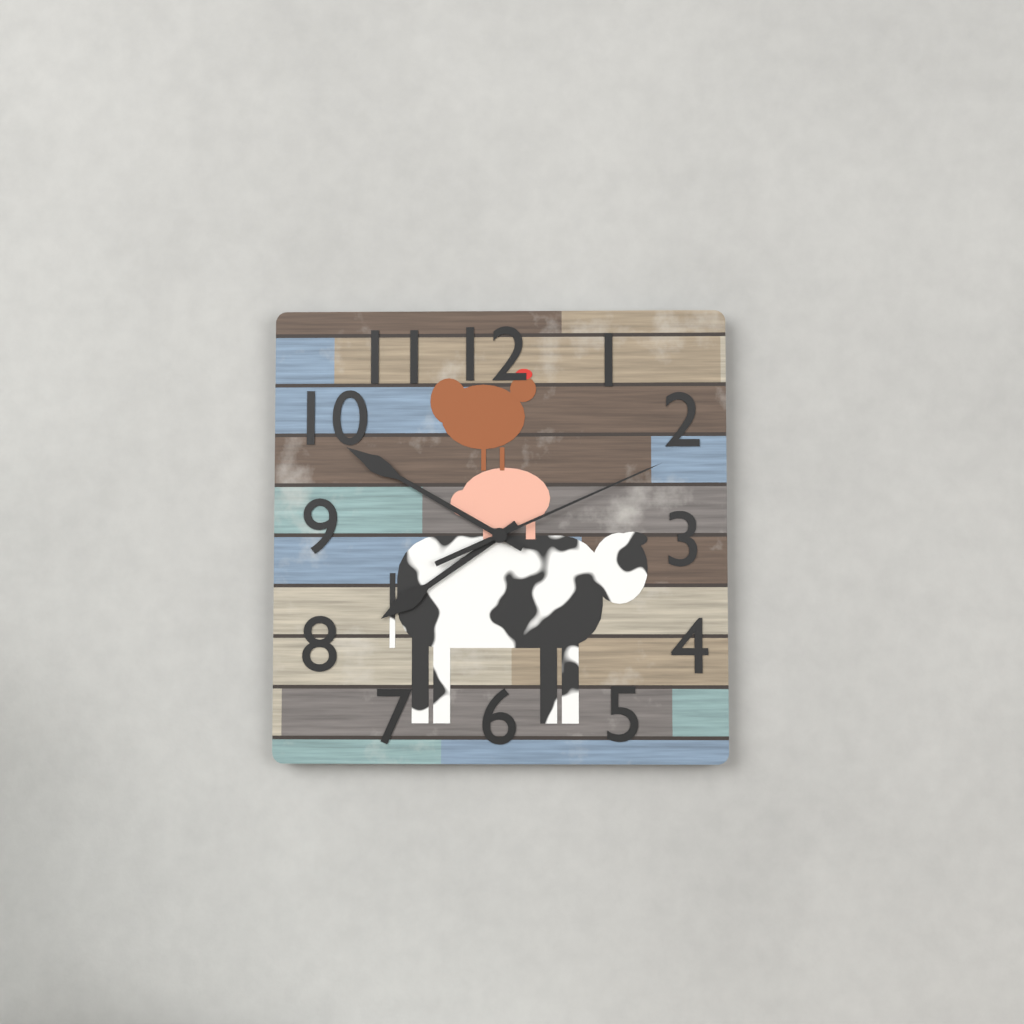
7:50:11
